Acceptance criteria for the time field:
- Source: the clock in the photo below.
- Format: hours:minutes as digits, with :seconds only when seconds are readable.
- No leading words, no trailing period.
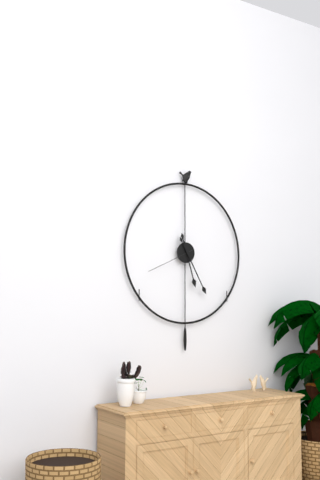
5:25:41
